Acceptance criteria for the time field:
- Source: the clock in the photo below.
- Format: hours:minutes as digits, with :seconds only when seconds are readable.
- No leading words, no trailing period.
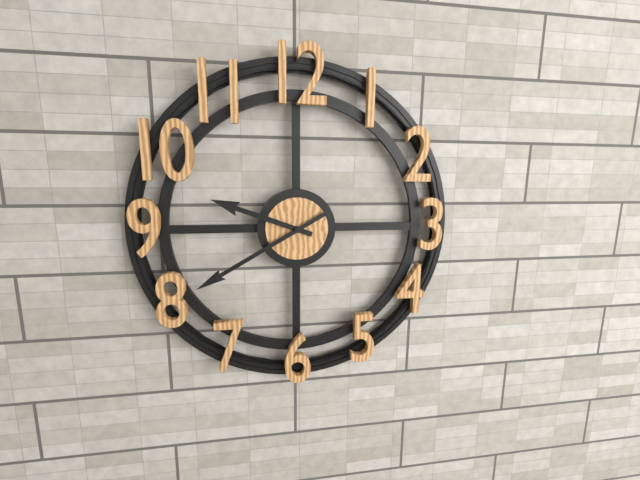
9:40
